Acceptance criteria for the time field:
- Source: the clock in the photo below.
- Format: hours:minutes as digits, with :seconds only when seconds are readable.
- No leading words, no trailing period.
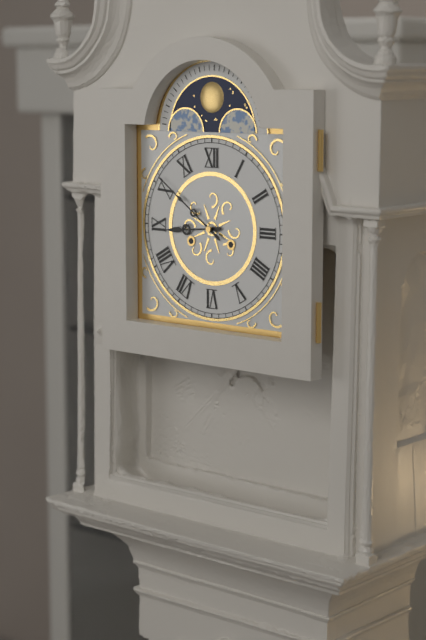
8:51
